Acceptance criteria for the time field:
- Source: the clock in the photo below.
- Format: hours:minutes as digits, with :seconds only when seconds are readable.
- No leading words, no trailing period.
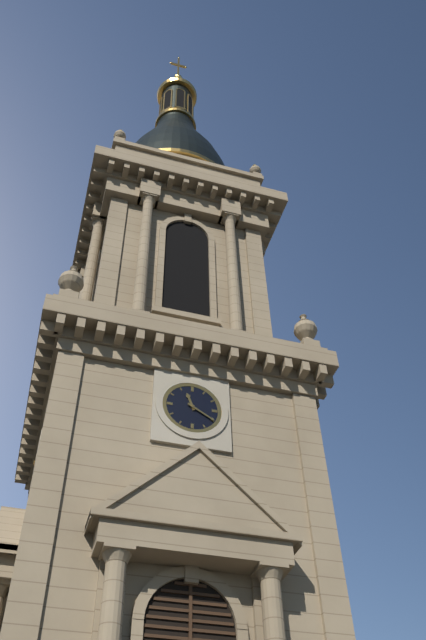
11:20
